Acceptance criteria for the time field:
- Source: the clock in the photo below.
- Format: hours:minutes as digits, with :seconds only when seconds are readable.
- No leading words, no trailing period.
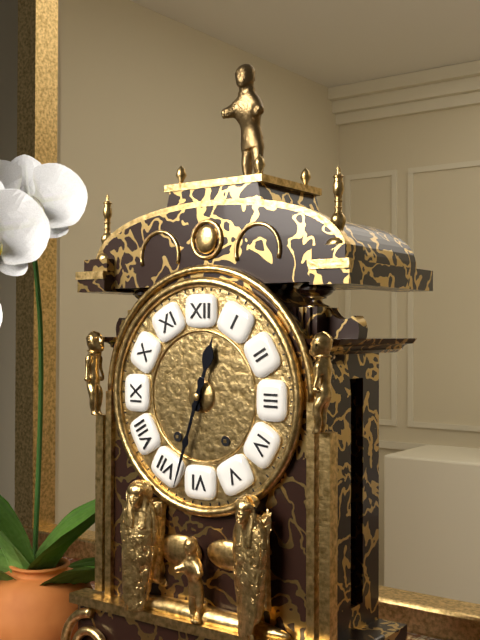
12:33
